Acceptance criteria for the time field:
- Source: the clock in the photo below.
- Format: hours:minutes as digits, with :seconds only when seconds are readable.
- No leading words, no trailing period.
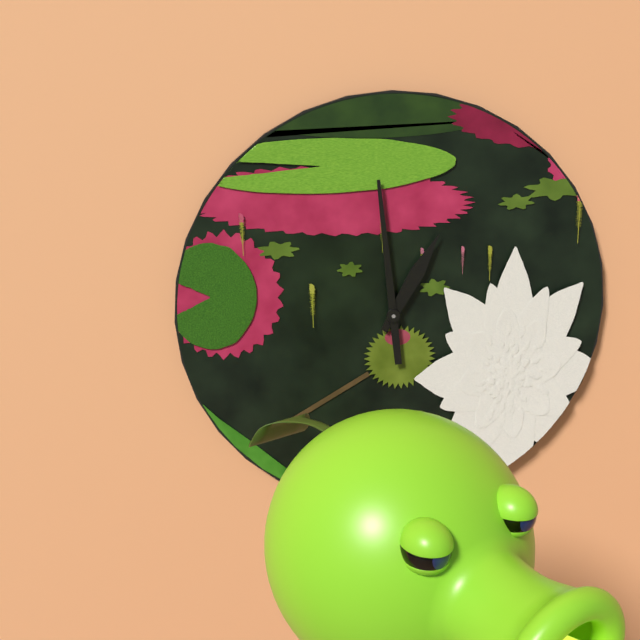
12:59
